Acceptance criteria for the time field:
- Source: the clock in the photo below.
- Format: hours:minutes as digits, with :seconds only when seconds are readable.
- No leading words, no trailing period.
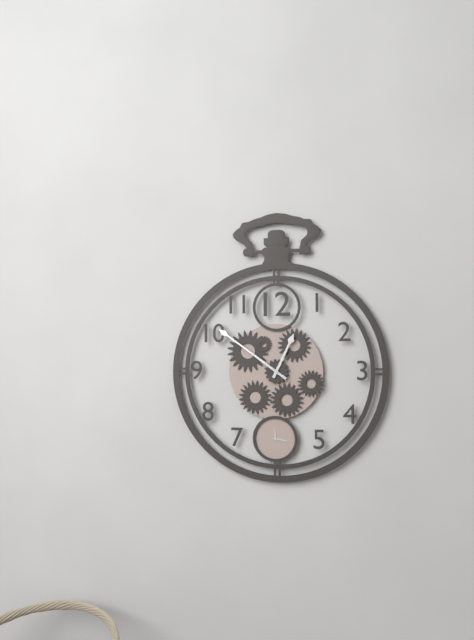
12:51
